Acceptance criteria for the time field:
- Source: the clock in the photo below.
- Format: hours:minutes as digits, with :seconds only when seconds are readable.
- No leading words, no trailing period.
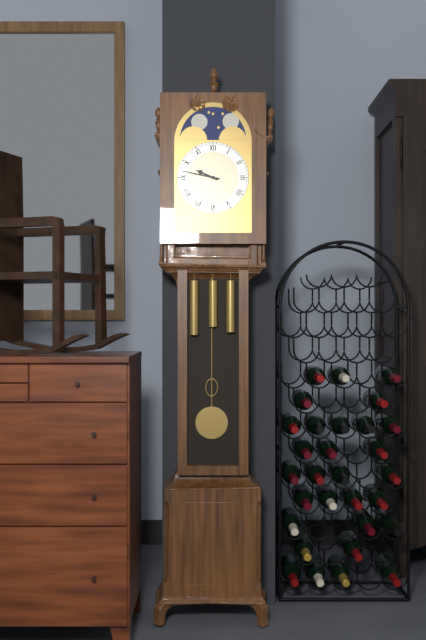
9:47
